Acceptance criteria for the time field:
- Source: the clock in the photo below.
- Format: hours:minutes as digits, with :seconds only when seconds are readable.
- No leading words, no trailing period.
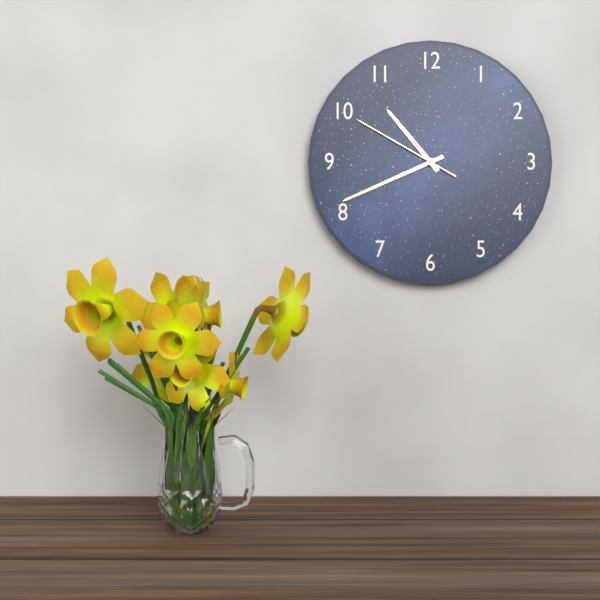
10:41:50
